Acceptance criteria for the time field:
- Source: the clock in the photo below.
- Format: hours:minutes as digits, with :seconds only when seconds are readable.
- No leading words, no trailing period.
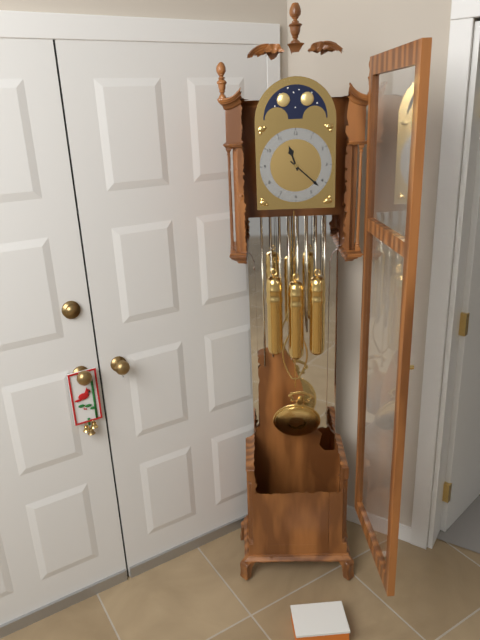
11:22
